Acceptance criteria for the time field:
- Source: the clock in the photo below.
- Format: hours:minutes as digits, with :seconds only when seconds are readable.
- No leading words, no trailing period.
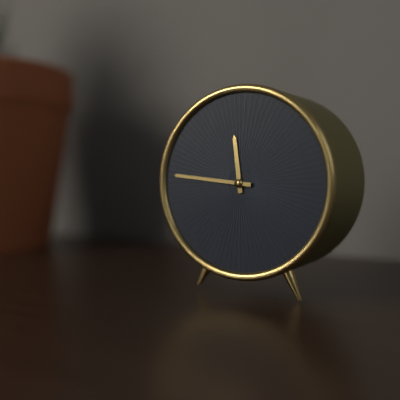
11:46
